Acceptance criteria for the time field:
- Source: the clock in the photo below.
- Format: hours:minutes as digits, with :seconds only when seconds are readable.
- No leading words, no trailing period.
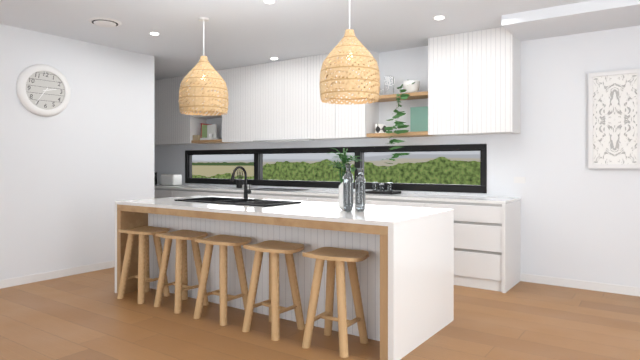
2:36
